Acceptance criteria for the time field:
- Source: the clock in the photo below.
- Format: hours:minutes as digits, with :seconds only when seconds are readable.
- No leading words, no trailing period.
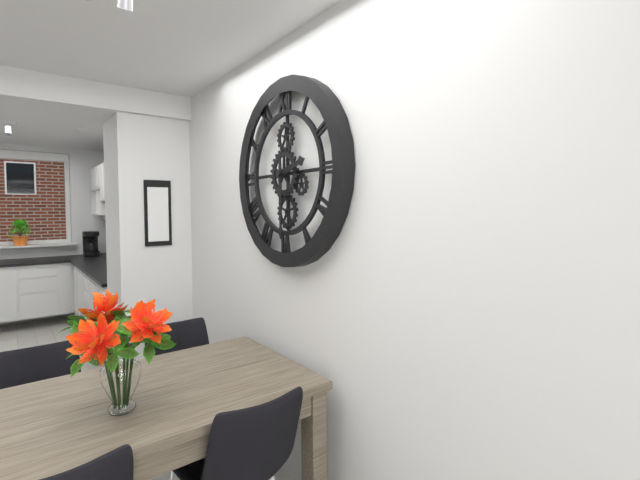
2:30
